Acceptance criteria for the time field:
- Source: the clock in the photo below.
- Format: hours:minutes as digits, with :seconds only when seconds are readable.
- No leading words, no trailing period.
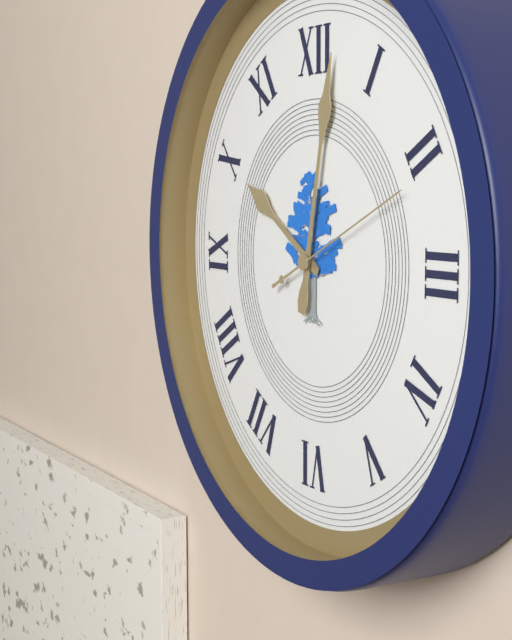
10:02:11
